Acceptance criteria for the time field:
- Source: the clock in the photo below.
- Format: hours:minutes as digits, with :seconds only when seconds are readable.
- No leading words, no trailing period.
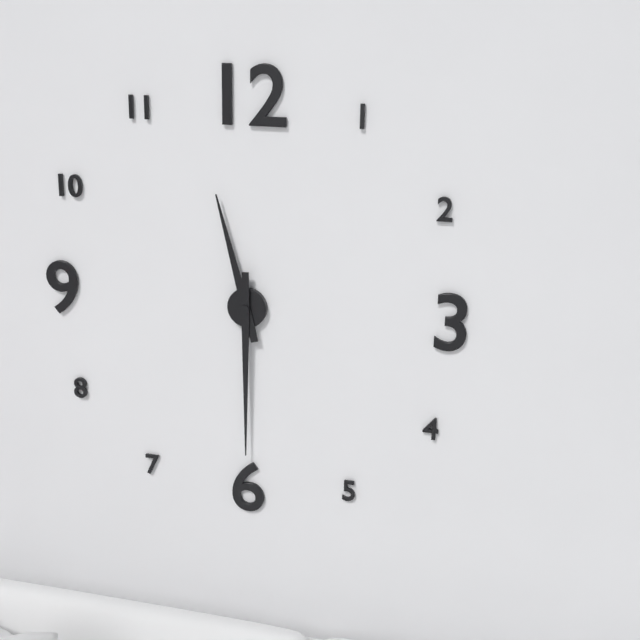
11:30
